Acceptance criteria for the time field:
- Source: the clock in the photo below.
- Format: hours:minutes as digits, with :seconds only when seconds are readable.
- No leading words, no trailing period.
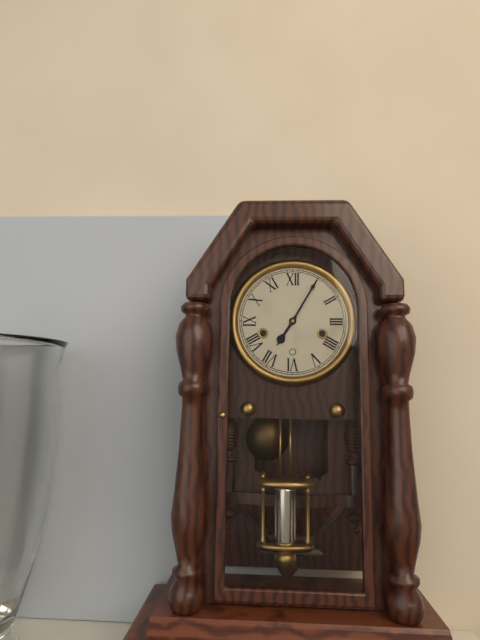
7:05
